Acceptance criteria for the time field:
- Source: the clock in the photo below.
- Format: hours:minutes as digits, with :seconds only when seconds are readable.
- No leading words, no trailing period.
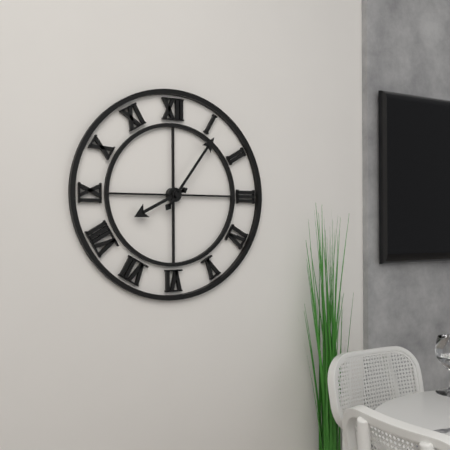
8:06
